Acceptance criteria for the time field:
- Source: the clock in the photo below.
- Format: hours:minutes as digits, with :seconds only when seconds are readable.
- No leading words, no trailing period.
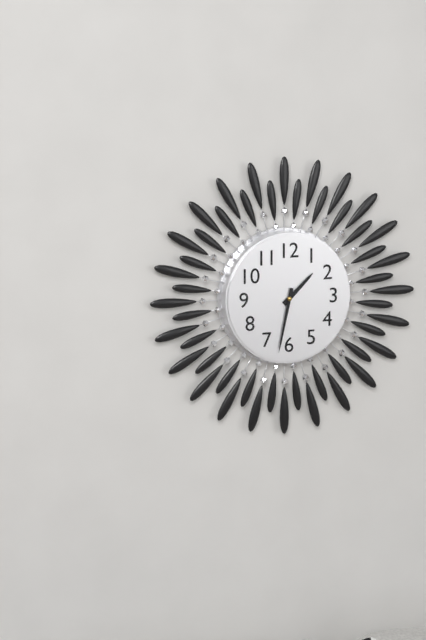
1:32
